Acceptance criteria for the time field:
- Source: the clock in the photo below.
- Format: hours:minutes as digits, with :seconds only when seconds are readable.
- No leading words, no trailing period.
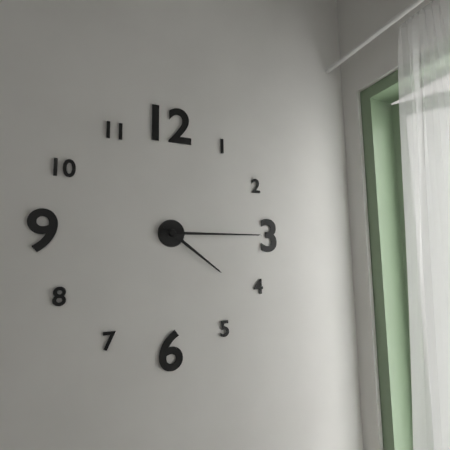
4:15
